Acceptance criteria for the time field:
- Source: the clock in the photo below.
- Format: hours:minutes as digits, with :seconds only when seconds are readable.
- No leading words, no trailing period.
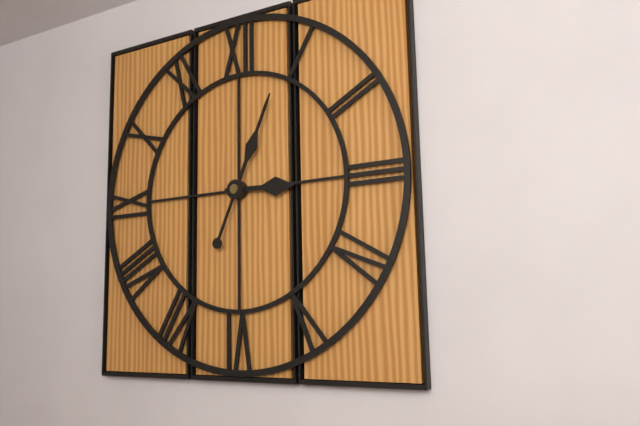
3:04
